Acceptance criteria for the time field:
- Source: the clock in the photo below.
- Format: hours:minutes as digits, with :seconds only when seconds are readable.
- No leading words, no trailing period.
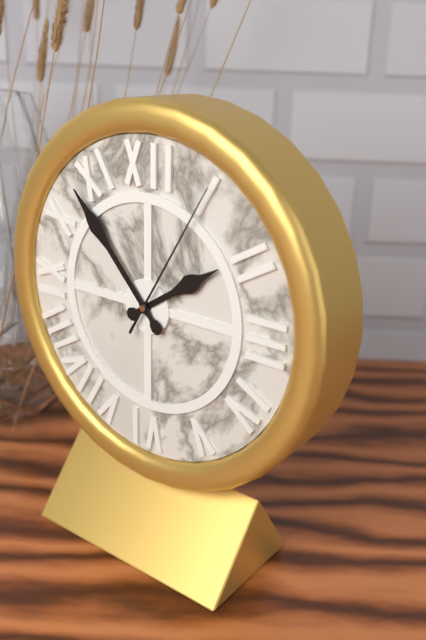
1:53:05
